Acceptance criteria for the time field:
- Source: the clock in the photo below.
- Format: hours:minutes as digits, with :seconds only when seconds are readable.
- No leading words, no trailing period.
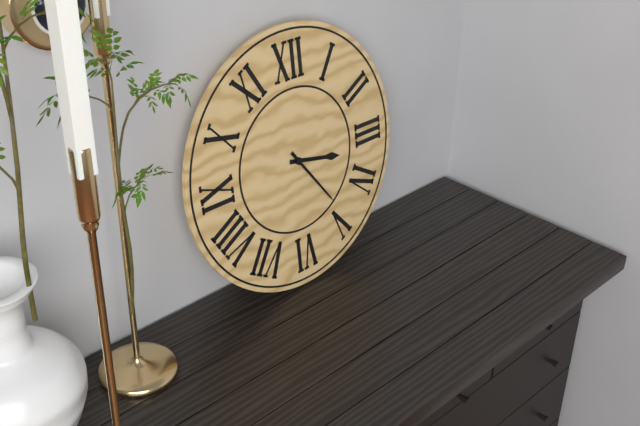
3:24
